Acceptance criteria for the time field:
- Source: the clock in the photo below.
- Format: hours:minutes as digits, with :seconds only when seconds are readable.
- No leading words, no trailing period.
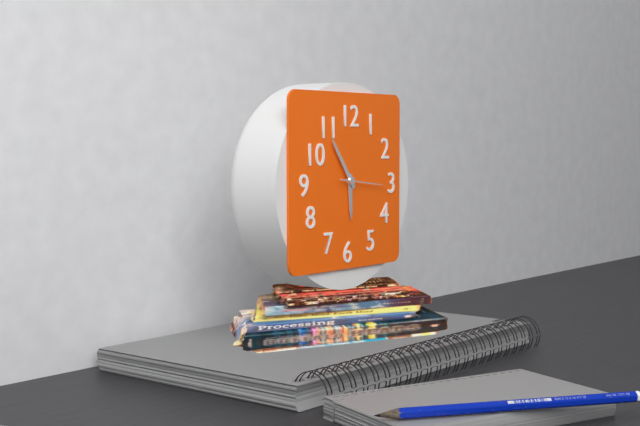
5:54
